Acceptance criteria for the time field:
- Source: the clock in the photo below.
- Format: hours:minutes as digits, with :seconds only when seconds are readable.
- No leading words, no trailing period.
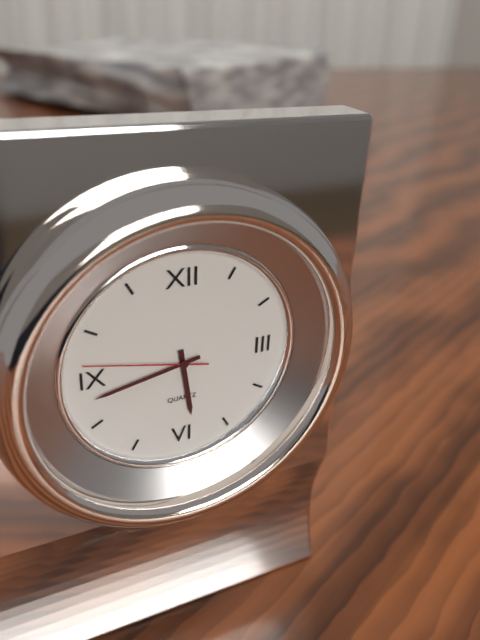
5:43:47
